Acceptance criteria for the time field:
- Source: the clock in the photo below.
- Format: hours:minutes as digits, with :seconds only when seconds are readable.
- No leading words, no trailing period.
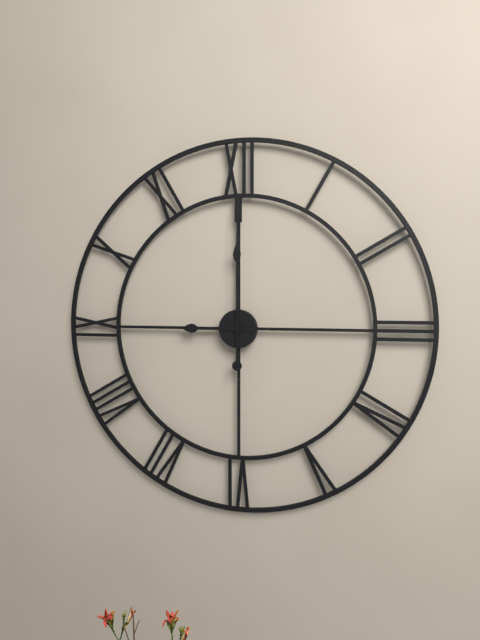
9:00
